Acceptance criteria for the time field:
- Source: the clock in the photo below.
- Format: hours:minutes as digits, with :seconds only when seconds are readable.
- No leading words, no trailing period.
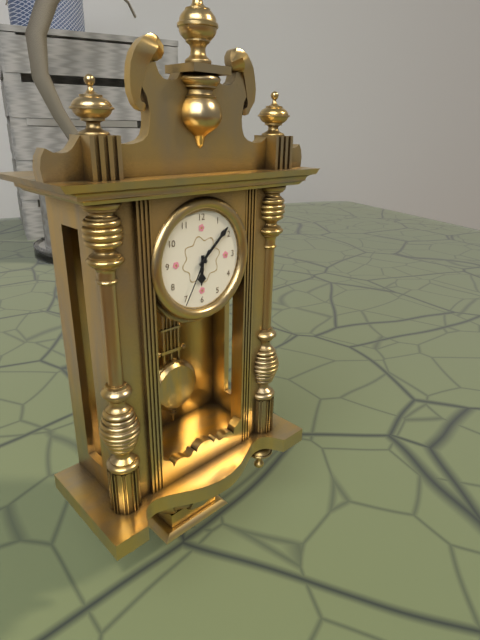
6:08:35
